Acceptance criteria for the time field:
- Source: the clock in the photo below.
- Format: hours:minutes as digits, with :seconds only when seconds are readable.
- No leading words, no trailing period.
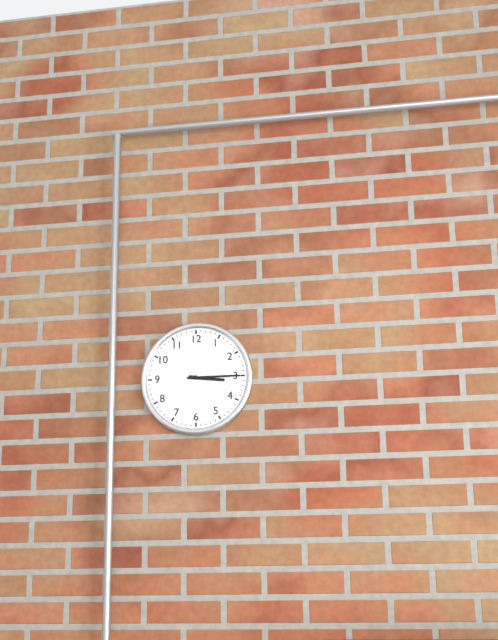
3:15
